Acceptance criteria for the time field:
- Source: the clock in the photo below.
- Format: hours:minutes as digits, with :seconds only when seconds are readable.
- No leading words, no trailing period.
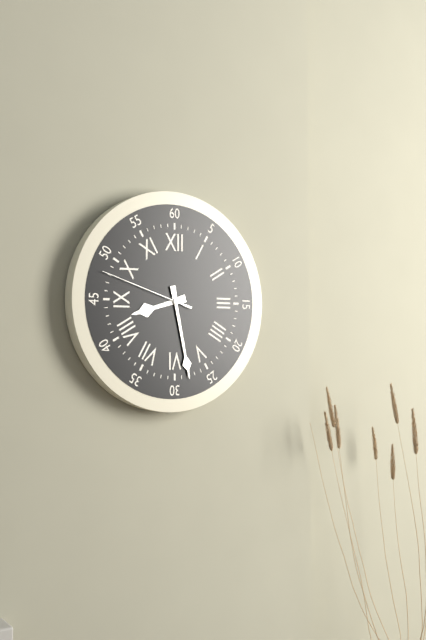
8:28:48
